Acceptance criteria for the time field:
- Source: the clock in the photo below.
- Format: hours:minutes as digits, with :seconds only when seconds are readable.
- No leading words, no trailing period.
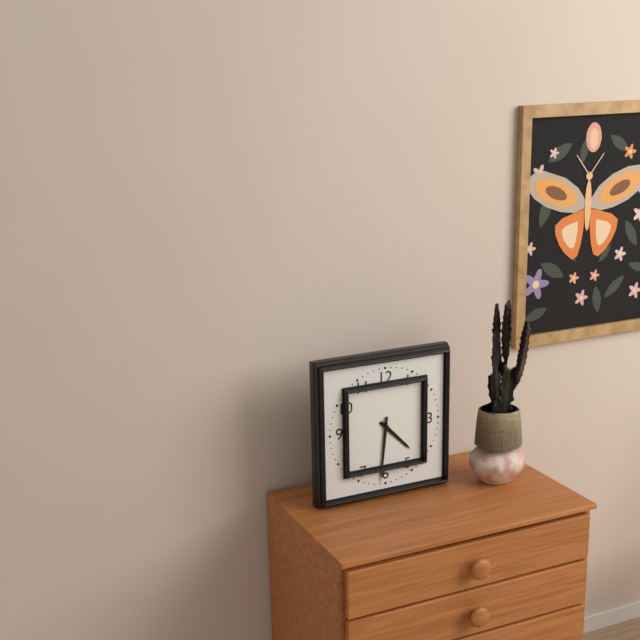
4:31
